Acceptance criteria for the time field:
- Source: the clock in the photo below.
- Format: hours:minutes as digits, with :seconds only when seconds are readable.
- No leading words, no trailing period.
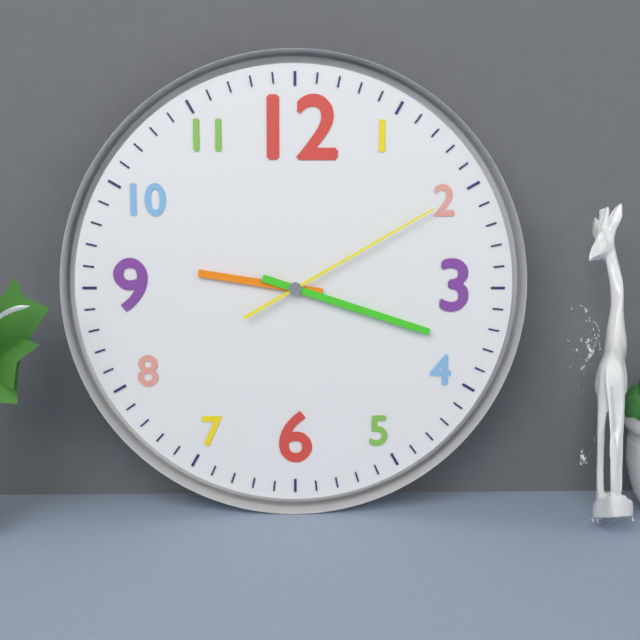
9:18:10
